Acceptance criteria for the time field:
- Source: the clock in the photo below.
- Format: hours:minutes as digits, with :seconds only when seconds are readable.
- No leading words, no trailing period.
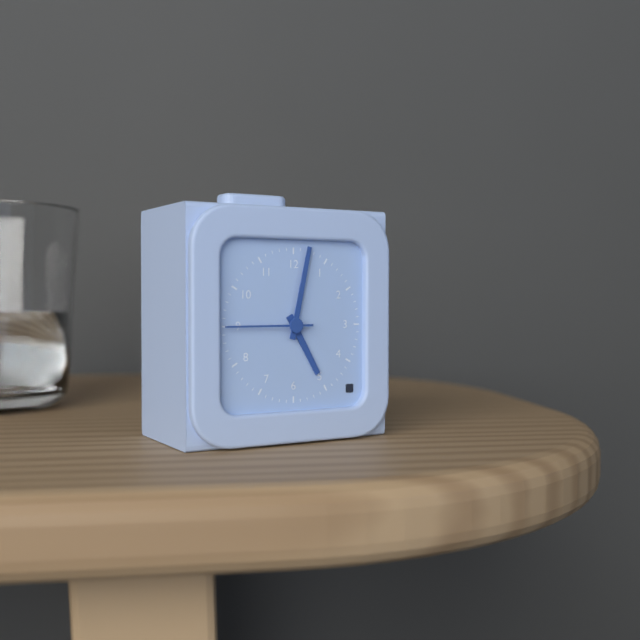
5:02:45
